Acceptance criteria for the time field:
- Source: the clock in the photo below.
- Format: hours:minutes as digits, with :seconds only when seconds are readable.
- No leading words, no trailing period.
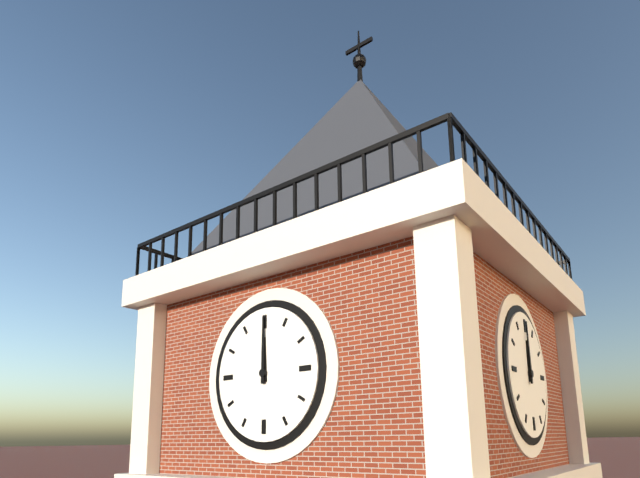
12:00
